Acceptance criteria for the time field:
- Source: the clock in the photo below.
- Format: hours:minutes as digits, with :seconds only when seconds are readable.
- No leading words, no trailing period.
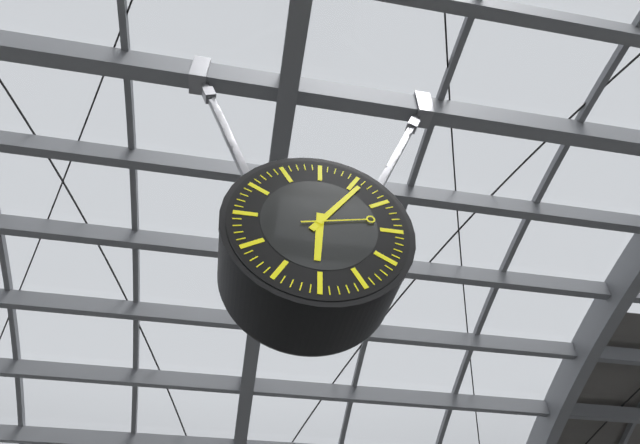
6:06:13
